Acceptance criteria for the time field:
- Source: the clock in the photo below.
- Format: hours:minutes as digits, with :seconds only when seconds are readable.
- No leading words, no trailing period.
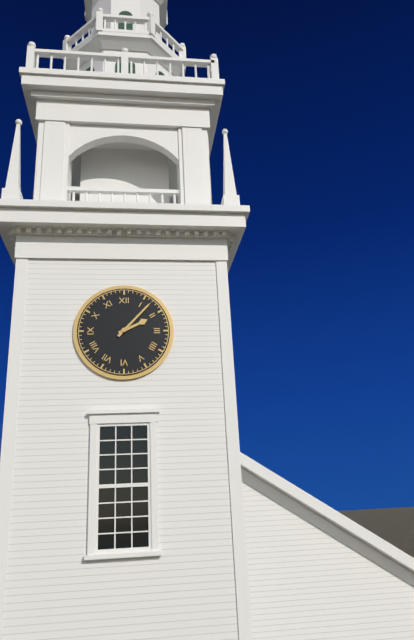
2:07
